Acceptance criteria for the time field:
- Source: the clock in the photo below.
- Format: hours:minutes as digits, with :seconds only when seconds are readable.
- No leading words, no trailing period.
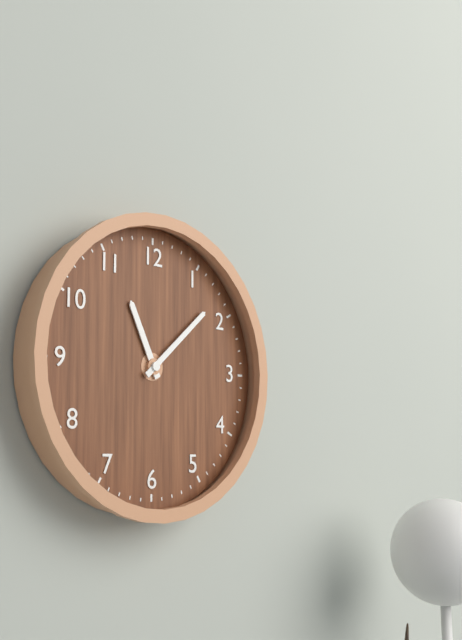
11:08
